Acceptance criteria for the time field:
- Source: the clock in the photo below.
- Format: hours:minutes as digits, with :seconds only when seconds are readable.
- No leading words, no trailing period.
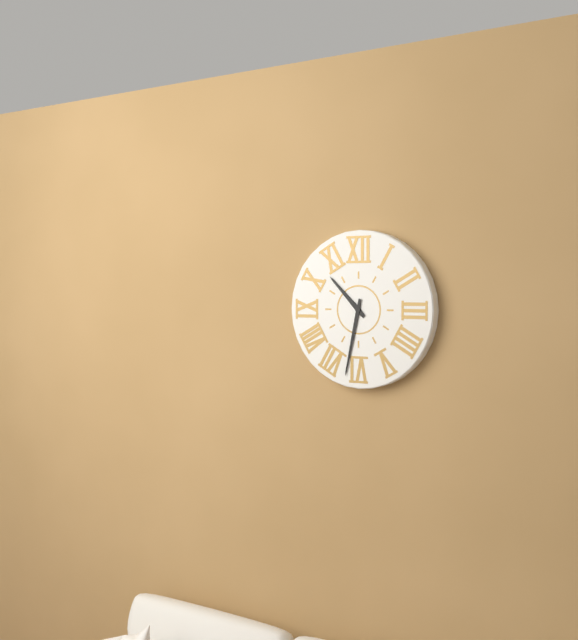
10:32
